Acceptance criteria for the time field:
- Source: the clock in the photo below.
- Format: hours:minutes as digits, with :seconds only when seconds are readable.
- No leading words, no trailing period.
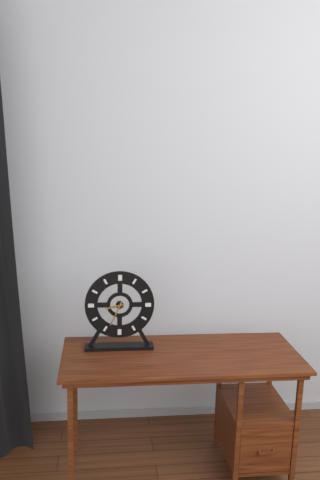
8:34
